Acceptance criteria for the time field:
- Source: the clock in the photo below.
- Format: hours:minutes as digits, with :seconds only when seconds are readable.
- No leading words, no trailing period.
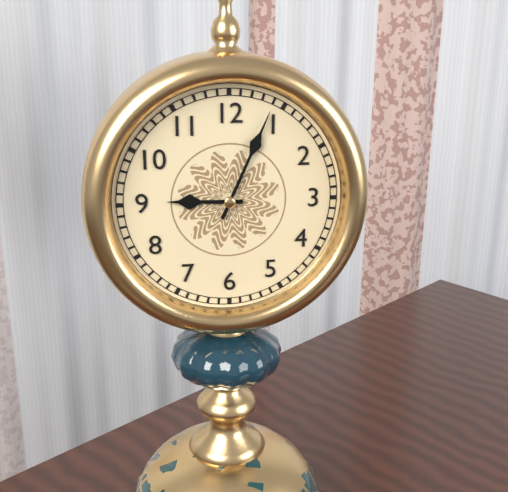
9:04
